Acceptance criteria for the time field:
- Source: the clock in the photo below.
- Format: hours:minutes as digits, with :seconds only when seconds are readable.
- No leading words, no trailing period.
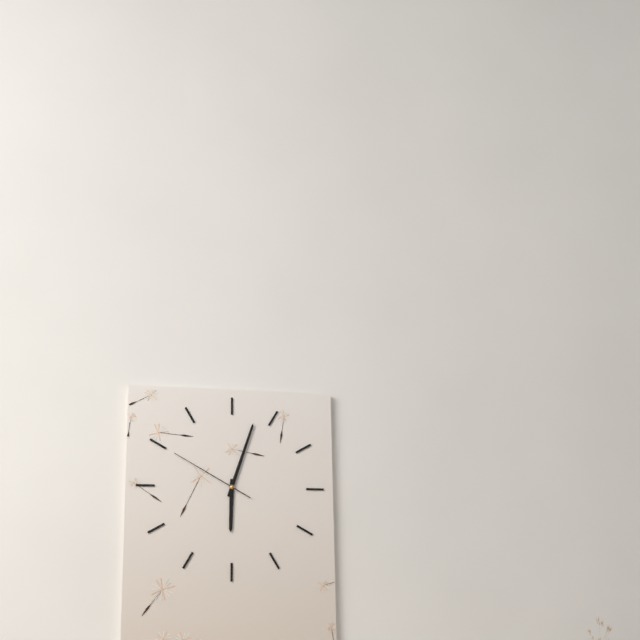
6:03:50
